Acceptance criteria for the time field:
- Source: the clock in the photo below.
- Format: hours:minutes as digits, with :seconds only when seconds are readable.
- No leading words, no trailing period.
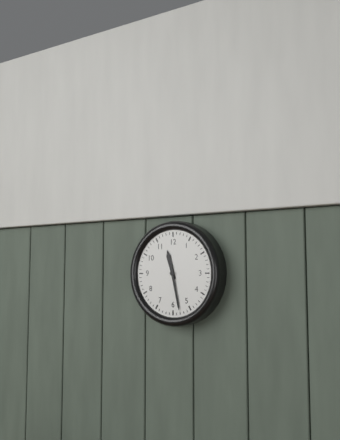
11:28
